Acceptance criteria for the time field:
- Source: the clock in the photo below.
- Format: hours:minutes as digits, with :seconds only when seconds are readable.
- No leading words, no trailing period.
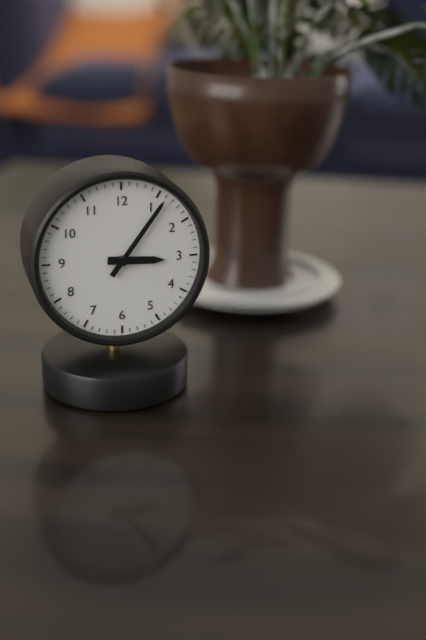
3:06
